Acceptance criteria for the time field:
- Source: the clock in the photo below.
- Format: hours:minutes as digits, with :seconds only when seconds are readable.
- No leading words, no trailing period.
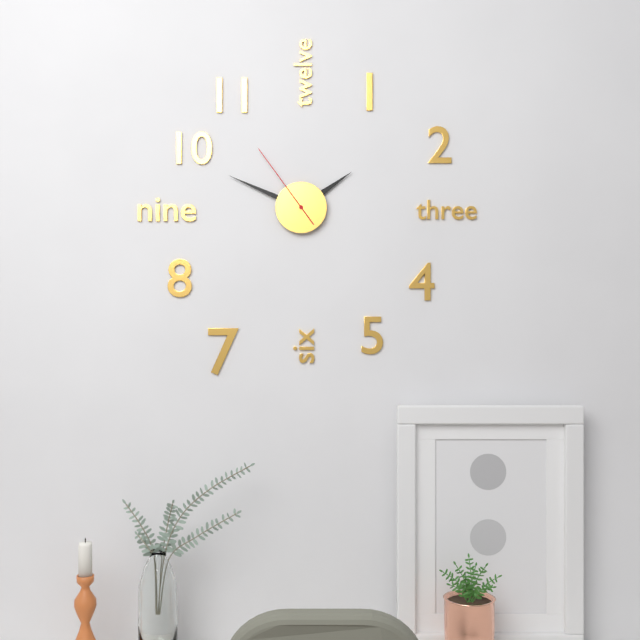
1:49:54
